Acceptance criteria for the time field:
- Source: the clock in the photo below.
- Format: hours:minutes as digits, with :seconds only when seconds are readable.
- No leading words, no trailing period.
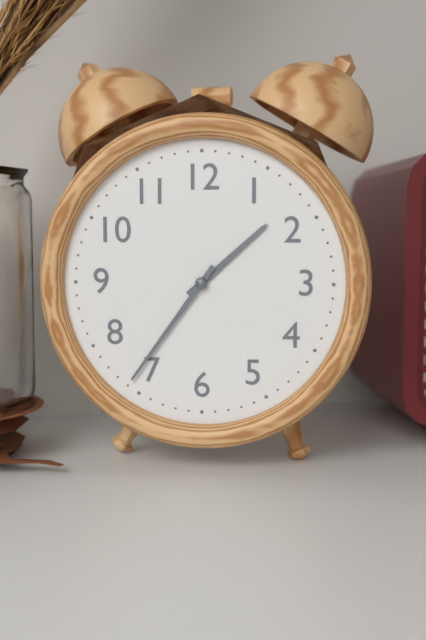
1:36
